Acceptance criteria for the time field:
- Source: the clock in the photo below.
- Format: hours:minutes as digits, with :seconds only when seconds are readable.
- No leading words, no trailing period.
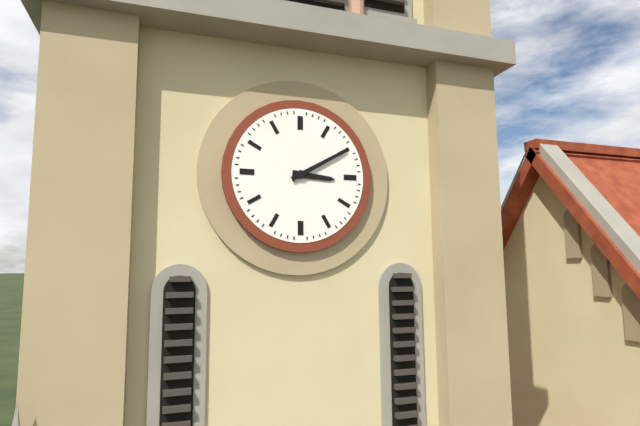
3:10
